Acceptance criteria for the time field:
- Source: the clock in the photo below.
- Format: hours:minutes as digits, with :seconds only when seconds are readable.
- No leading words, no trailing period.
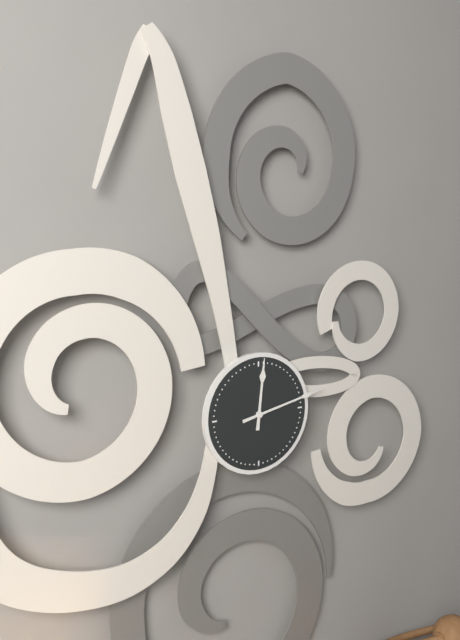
12:13
